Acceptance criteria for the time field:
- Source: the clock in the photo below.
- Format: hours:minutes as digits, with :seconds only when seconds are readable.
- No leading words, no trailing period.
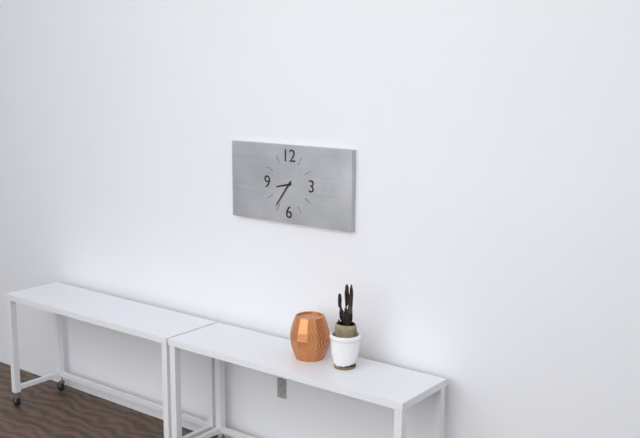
8:36
